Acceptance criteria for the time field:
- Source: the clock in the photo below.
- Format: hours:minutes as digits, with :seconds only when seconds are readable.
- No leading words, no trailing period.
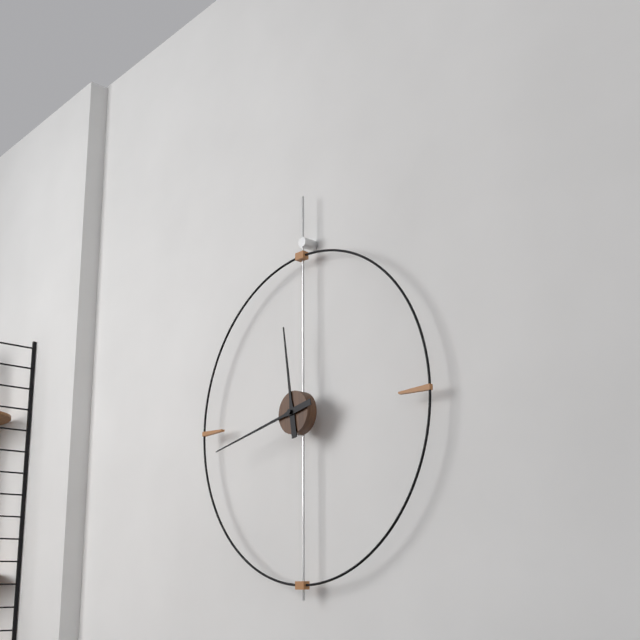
11:43
